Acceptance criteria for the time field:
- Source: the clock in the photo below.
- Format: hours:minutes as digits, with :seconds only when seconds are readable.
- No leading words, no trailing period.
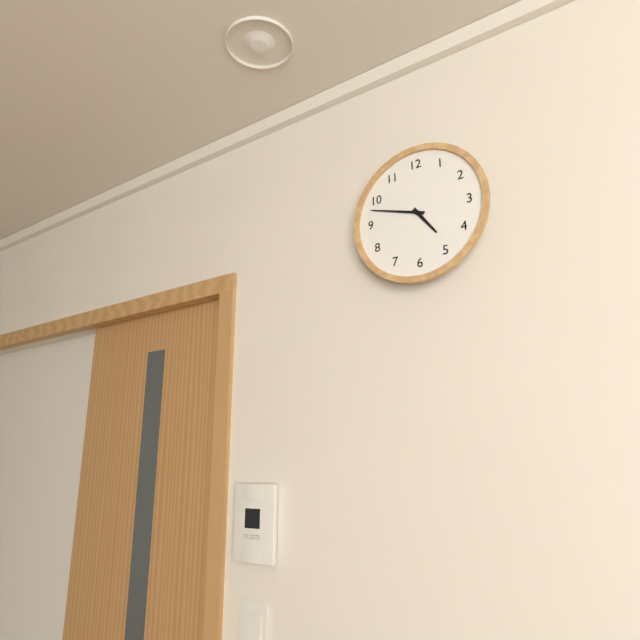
4:48
